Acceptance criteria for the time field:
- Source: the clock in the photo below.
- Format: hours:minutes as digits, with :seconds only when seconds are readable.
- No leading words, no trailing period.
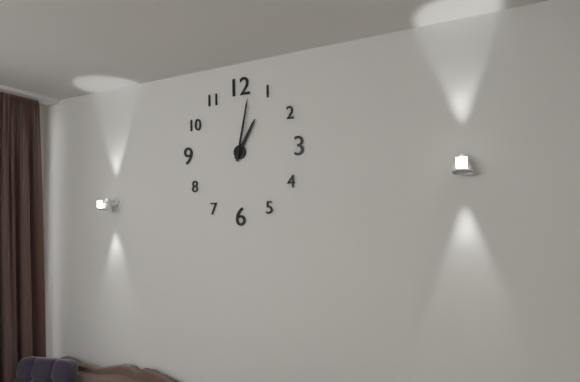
1:02
